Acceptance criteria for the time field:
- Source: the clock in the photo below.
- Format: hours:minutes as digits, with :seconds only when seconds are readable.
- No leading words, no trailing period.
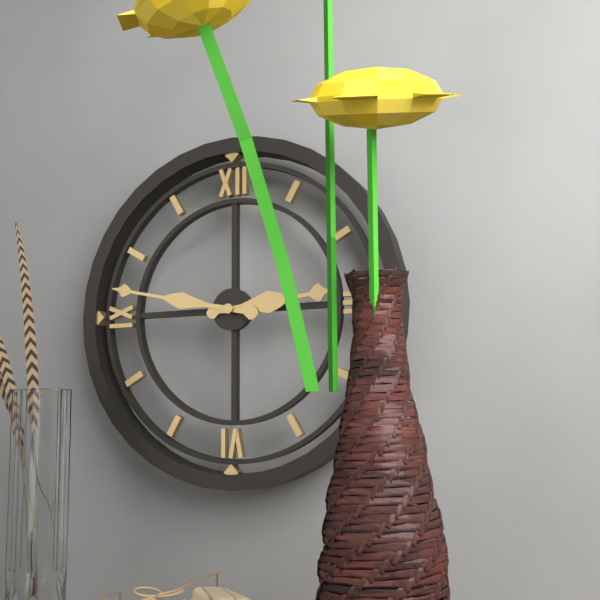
2:47
